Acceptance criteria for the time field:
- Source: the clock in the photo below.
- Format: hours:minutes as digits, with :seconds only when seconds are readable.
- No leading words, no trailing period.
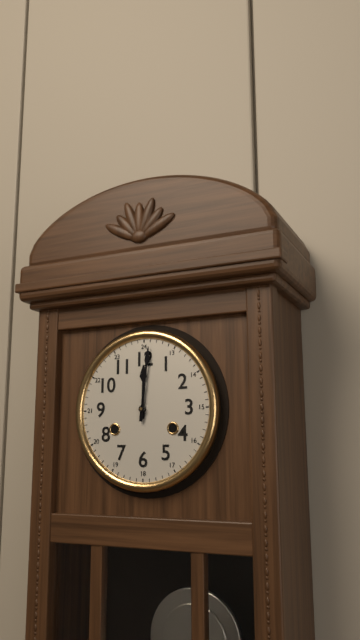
12:01
